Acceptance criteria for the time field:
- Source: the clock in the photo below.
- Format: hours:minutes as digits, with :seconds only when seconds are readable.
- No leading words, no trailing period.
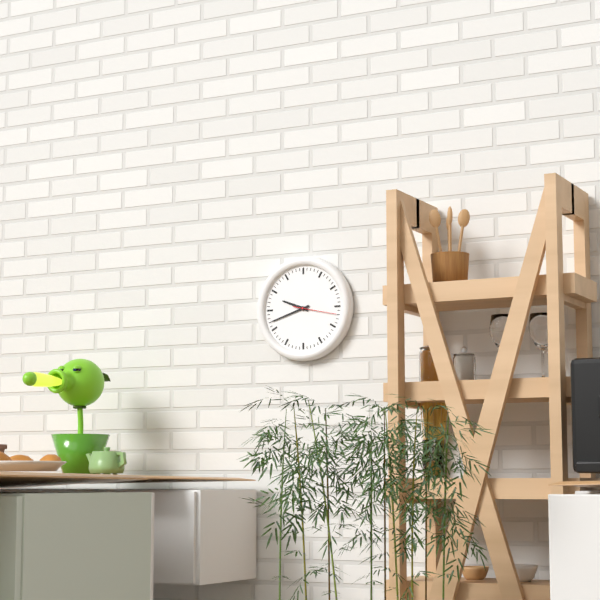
9:42
